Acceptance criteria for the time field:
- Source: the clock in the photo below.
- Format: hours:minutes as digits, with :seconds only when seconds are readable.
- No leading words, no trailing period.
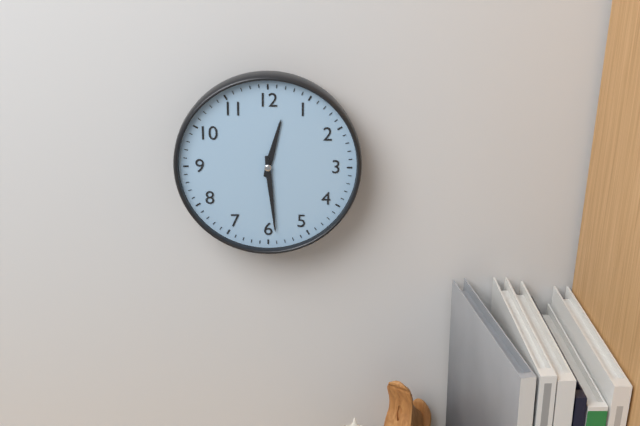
12:29
